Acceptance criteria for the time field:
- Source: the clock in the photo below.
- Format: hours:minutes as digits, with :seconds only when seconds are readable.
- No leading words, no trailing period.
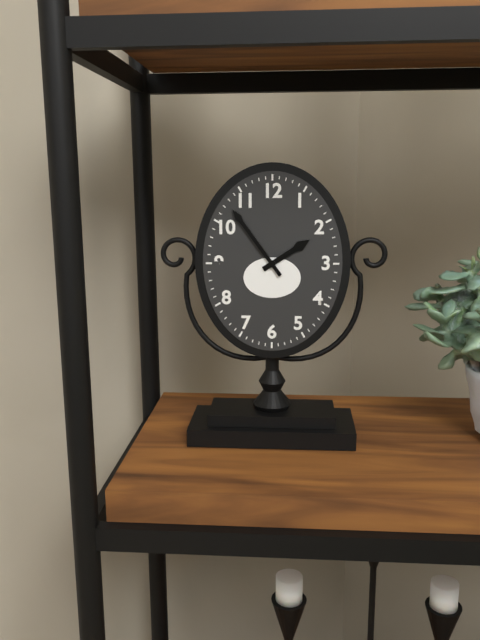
1:54
